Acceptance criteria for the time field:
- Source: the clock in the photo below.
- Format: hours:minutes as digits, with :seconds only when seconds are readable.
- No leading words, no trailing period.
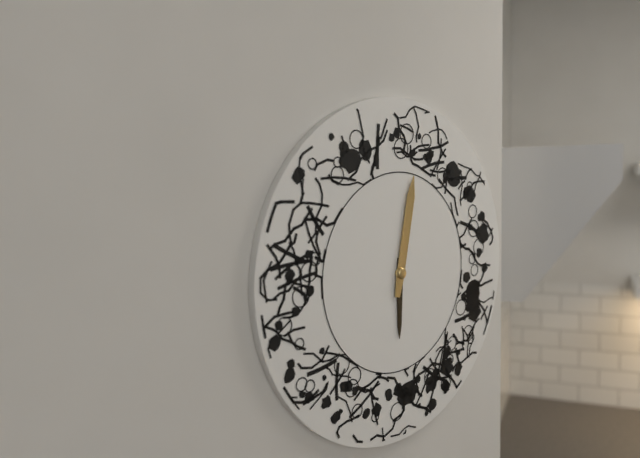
6:02
